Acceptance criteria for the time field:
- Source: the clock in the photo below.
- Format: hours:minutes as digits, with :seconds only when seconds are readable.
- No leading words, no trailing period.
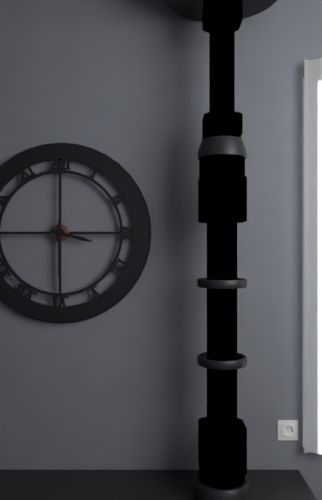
3:30
